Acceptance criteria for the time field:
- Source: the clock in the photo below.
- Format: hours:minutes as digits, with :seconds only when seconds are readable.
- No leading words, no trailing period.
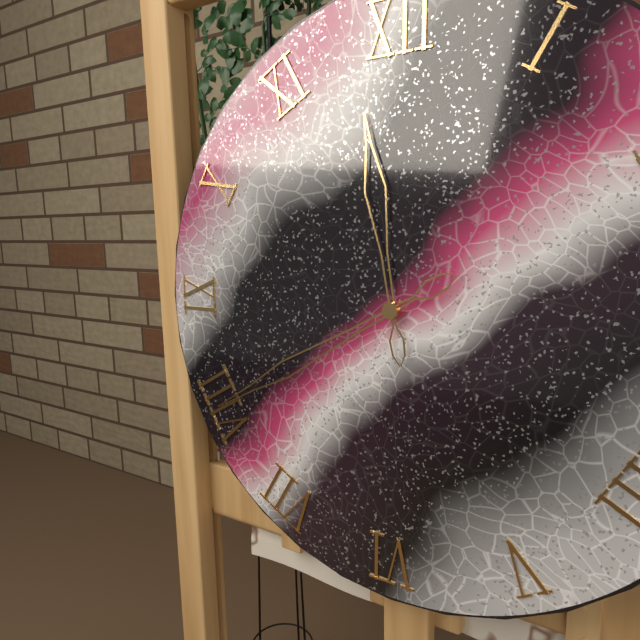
11:40
